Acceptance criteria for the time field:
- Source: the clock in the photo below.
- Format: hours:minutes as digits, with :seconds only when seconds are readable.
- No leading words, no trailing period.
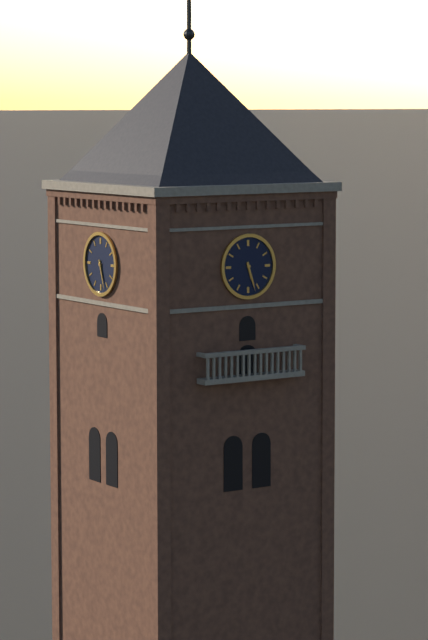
5:27
